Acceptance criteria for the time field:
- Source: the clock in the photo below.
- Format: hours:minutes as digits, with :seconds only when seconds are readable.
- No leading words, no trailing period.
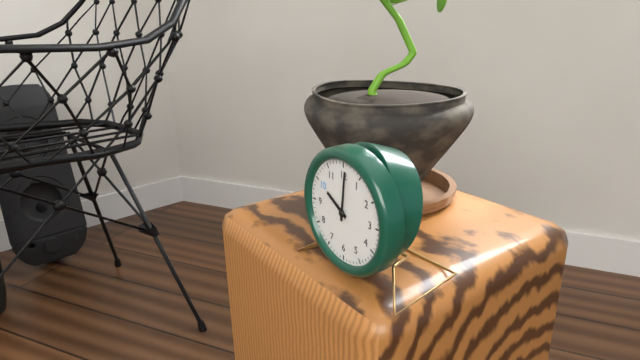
10:01
